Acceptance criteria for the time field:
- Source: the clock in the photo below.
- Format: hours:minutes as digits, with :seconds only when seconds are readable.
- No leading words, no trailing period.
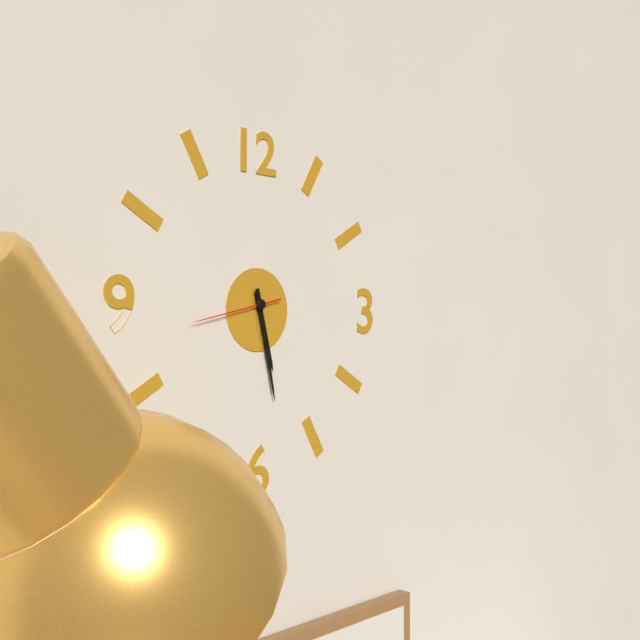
5:28:43
